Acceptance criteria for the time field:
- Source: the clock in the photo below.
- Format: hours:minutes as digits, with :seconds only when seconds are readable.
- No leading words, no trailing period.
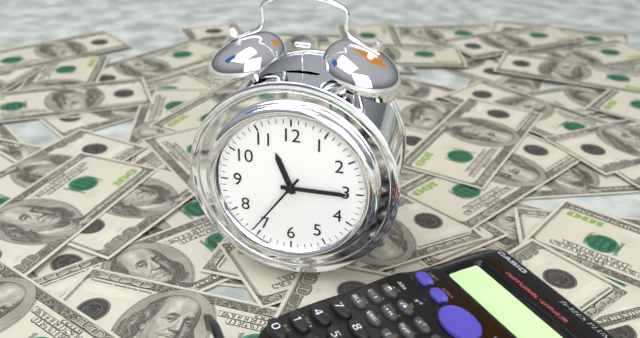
11:15:36
